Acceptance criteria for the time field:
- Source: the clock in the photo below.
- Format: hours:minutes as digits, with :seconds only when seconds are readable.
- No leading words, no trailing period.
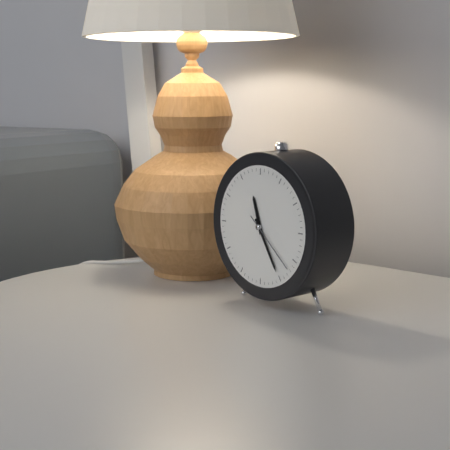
11:25:22
